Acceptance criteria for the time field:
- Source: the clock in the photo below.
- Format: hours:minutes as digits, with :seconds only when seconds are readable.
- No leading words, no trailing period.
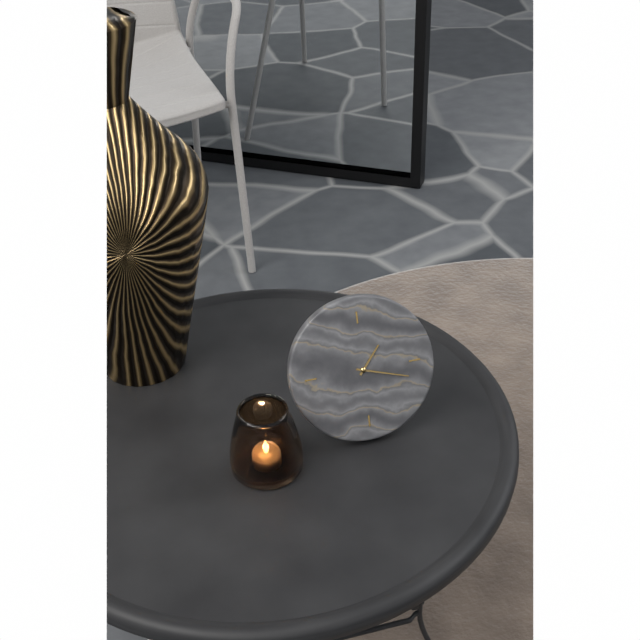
1:18
